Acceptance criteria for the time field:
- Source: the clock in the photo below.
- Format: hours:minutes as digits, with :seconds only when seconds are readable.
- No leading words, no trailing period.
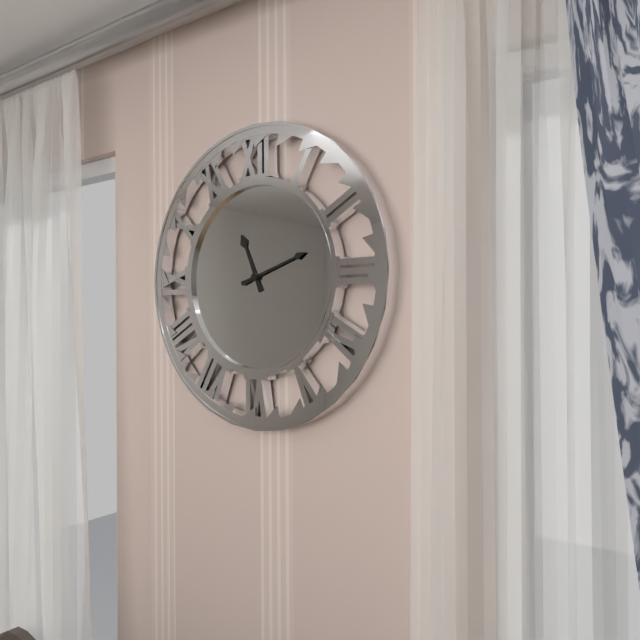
11:12
